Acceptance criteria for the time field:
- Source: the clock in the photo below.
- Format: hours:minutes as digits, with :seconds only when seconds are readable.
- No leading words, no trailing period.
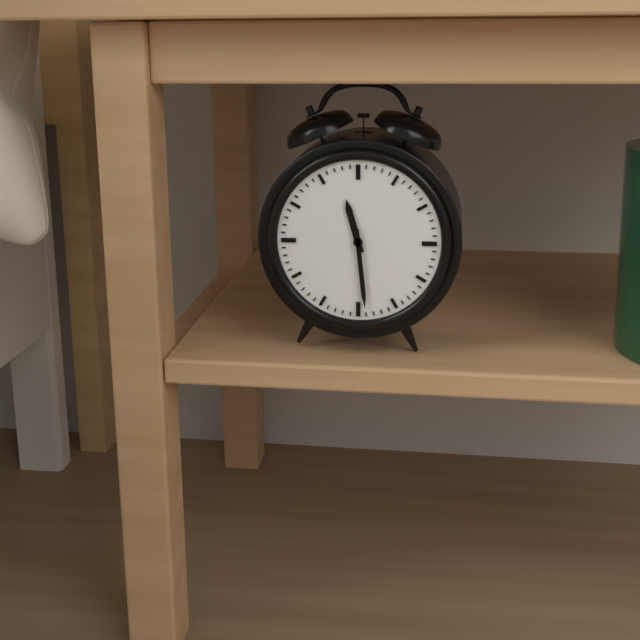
11:29
